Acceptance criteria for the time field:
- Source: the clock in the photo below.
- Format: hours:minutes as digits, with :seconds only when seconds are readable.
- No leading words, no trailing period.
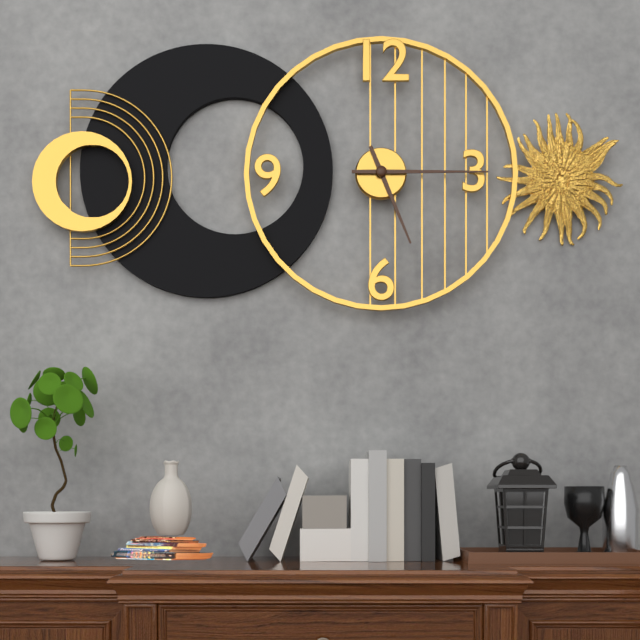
5:15
